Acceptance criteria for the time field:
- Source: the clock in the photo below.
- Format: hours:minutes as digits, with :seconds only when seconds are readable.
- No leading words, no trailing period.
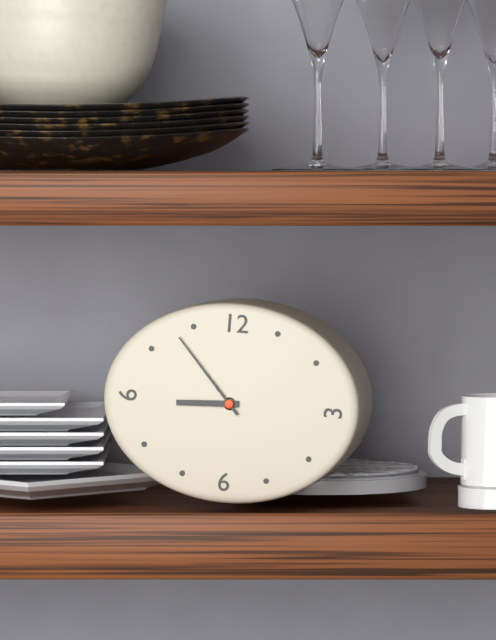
8:53
